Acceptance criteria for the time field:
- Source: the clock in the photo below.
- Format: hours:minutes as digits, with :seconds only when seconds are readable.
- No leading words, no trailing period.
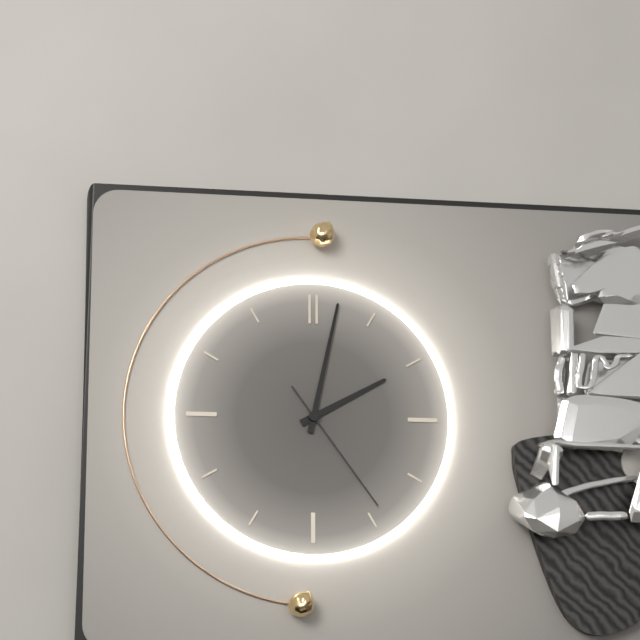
2:02:24
